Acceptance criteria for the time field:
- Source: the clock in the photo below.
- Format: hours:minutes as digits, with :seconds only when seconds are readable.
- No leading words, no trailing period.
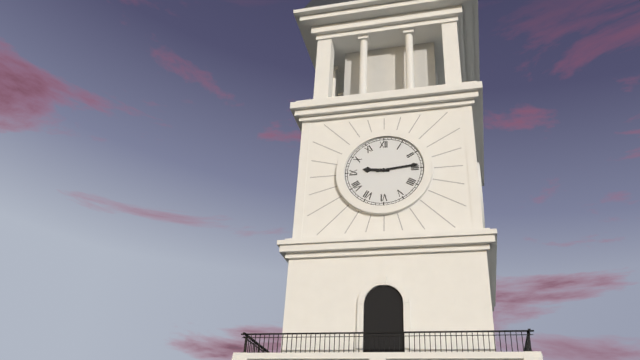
9:14
